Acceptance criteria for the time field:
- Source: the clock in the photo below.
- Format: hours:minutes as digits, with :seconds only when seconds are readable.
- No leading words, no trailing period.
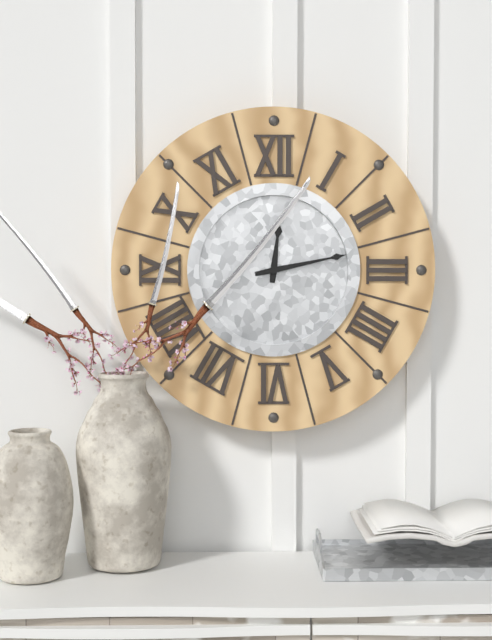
12:13
